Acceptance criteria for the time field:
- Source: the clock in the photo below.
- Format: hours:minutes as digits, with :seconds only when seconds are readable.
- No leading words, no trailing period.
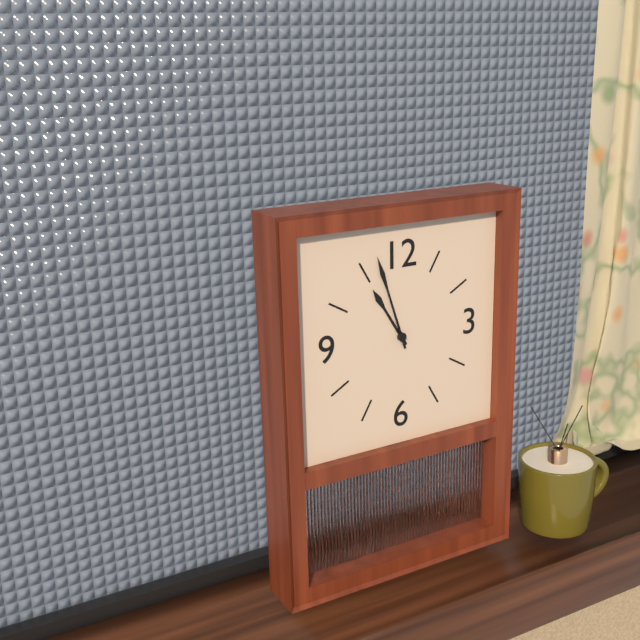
10:57
